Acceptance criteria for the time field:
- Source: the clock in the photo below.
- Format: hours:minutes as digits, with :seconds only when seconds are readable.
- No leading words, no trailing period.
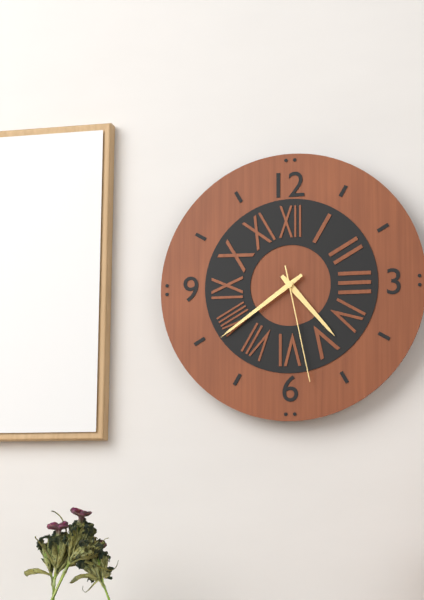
4:39:28
